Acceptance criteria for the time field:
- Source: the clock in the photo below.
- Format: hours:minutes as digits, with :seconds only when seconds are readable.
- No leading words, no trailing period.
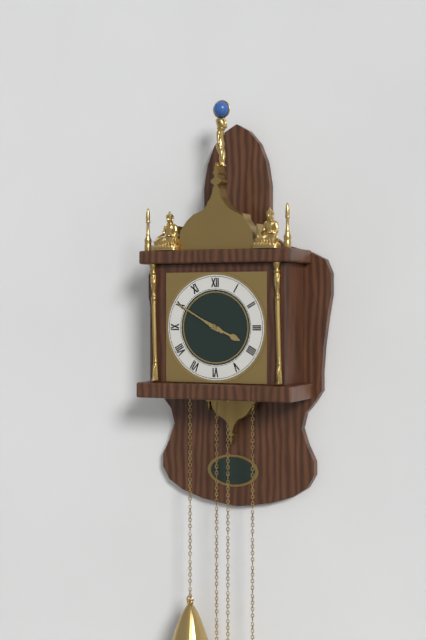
3:50
